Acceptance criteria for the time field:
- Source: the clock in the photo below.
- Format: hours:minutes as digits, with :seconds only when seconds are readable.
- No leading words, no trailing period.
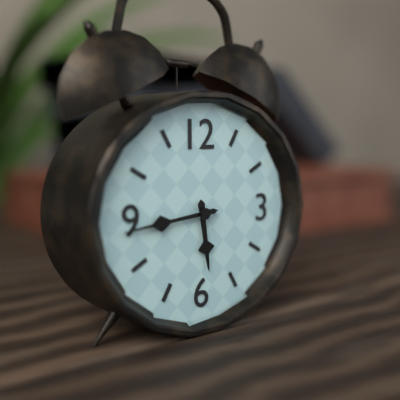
5:44
